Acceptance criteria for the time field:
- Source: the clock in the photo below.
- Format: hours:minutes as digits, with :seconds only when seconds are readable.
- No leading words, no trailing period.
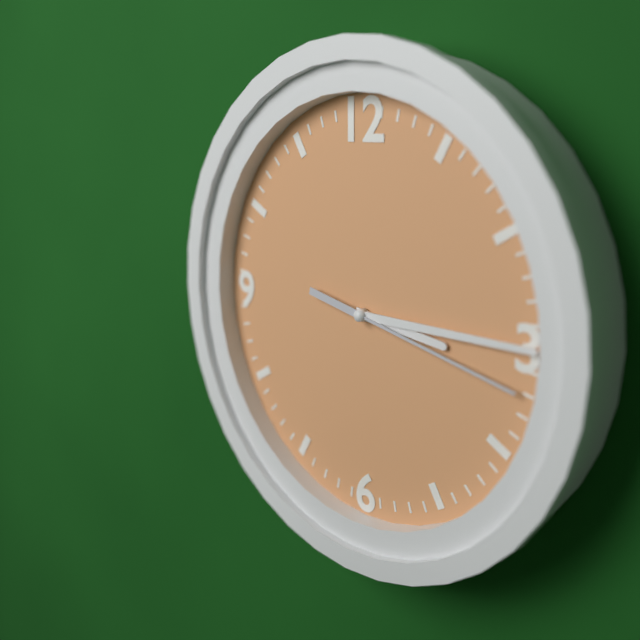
3:15:17
